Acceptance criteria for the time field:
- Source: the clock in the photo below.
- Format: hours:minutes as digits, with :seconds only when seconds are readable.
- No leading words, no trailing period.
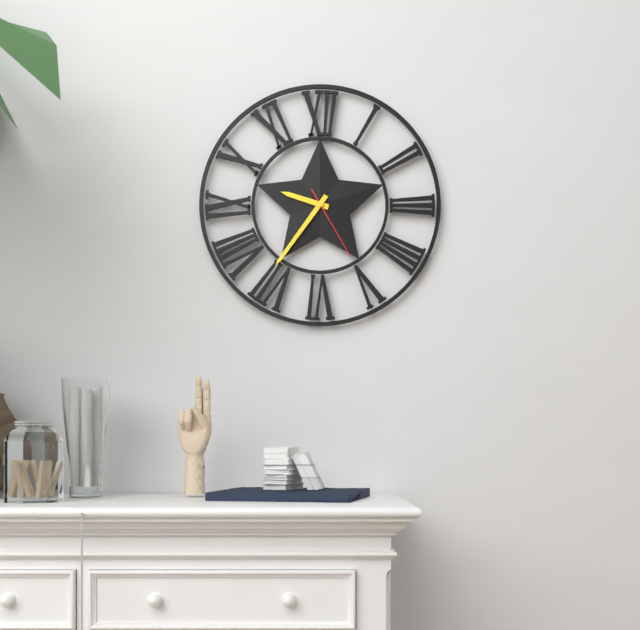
9:36:25
